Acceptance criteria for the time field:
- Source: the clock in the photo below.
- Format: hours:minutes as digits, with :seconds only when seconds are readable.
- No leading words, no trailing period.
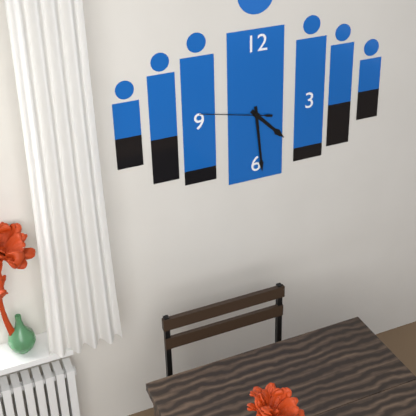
4:29:47
